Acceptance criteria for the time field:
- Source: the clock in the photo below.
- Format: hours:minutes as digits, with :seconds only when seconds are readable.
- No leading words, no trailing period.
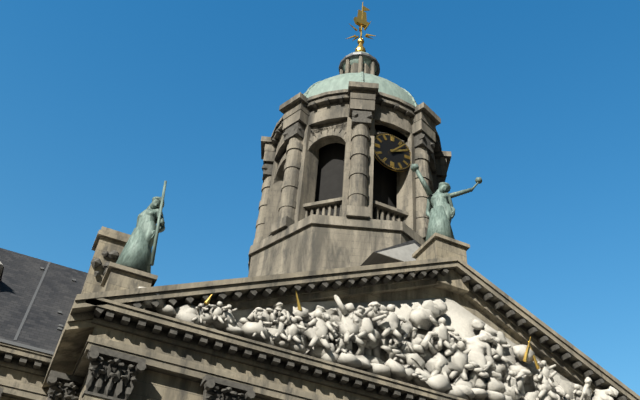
2:07
